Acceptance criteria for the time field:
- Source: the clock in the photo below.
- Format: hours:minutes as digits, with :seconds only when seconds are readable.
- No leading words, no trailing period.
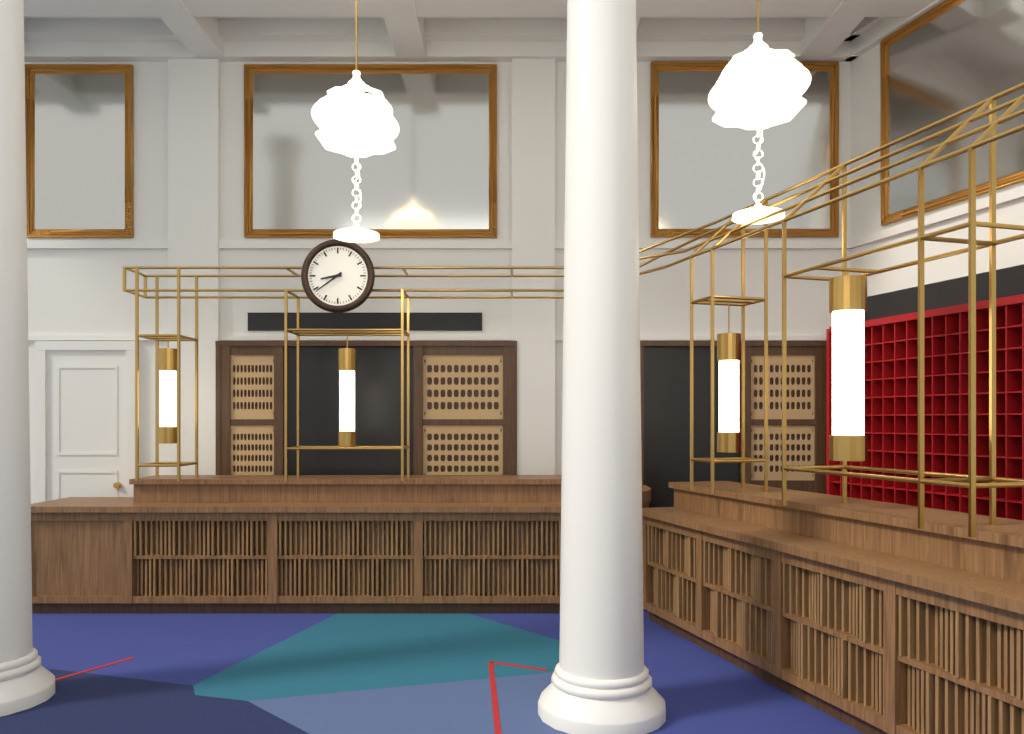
8:39
